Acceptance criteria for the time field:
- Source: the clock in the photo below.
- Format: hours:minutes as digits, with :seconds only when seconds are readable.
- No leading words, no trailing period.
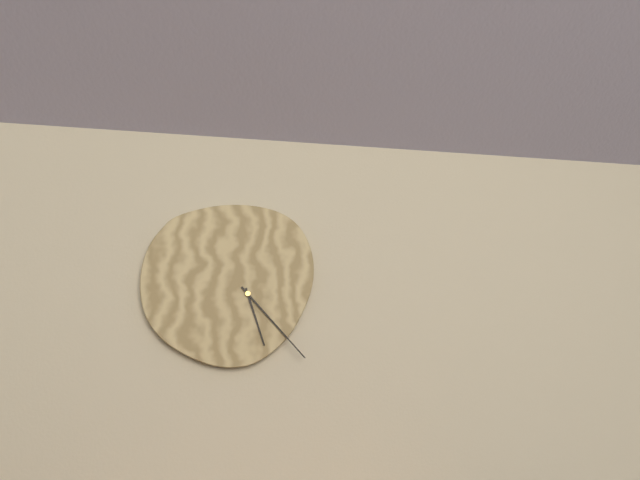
5:23
